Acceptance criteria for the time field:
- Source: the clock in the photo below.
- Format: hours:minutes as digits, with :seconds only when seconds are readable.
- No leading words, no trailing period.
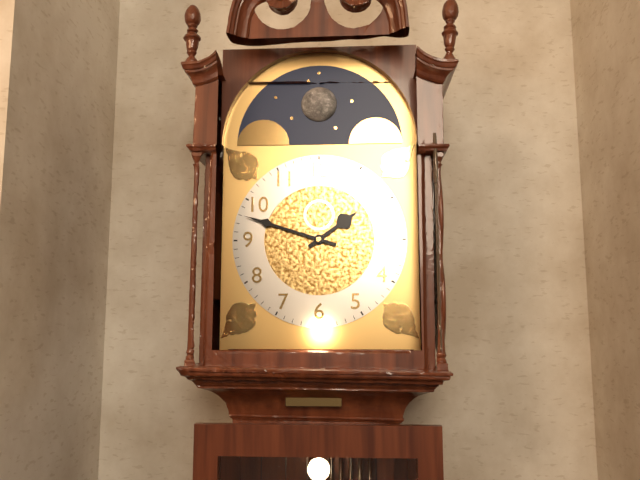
1:48
